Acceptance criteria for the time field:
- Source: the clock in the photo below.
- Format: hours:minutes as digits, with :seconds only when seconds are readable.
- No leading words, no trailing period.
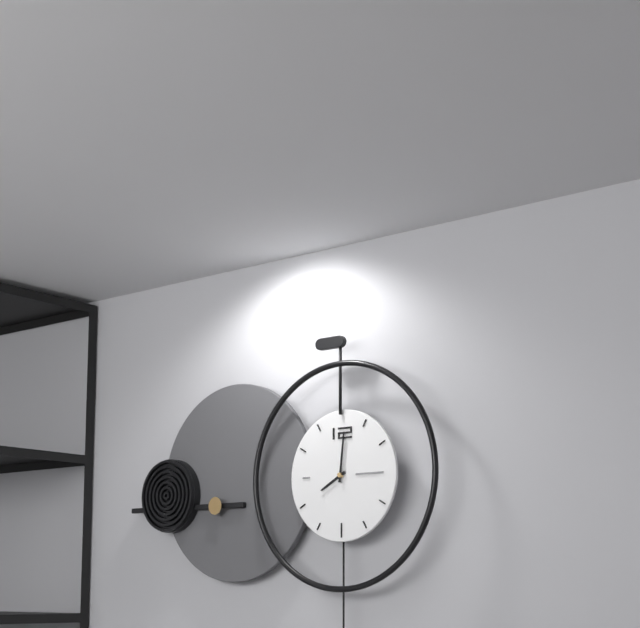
8:01
